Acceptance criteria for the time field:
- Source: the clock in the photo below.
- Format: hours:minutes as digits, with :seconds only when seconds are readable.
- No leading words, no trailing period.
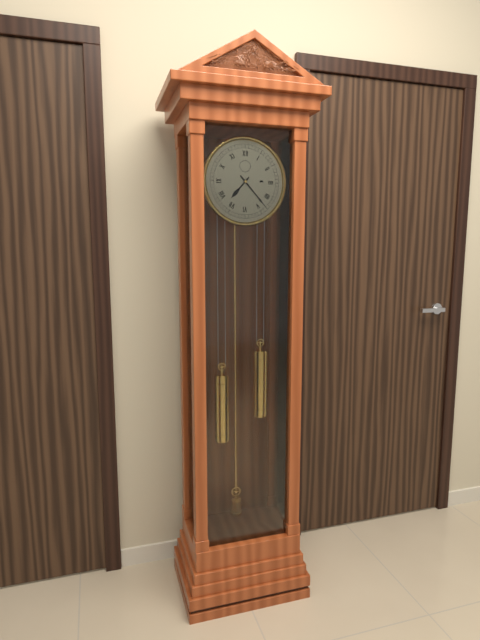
7:23
